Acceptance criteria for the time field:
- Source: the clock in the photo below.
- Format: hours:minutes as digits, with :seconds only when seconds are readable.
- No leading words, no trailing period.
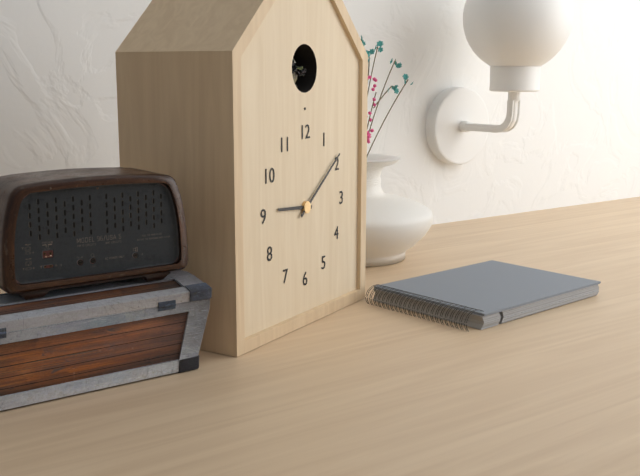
9:09
